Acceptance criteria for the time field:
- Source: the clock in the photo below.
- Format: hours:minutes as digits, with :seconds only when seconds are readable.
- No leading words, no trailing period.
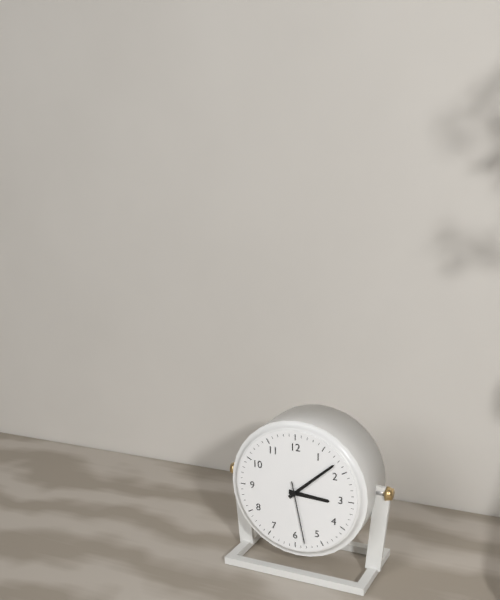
3:08:28
